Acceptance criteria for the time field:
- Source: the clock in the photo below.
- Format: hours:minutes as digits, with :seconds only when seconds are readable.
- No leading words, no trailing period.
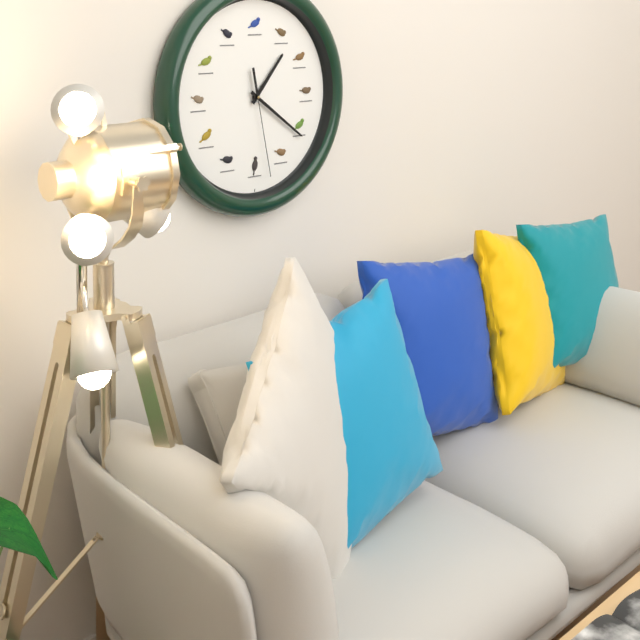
1:21:28
